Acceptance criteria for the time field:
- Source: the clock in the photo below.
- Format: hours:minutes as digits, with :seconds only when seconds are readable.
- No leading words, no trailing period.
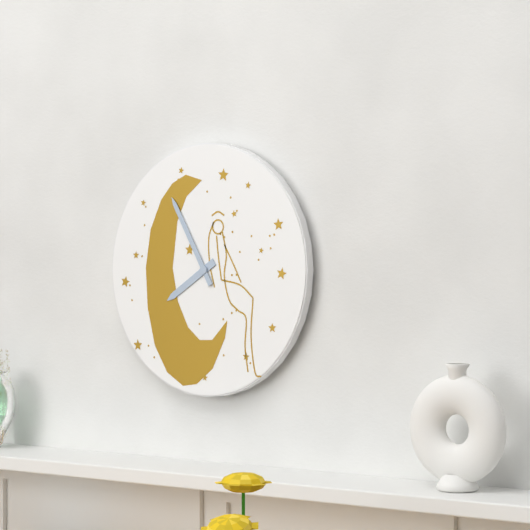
7:55
